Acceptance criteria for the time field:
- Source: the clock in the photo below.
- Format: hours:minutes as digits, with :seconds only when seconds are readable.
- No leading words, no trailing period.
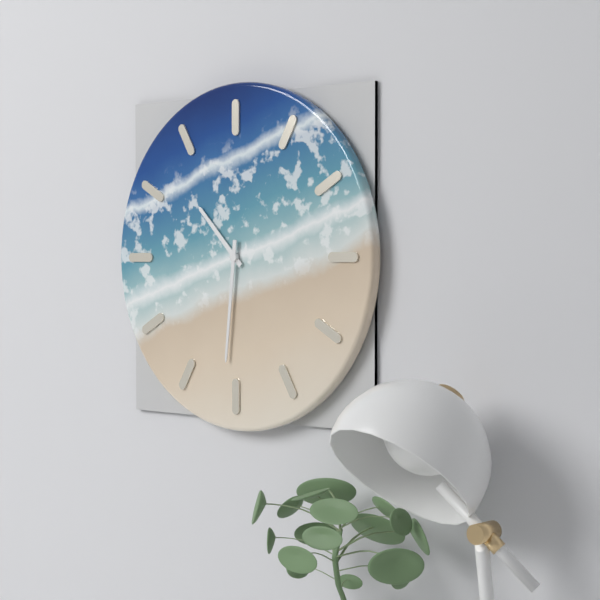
10:31
